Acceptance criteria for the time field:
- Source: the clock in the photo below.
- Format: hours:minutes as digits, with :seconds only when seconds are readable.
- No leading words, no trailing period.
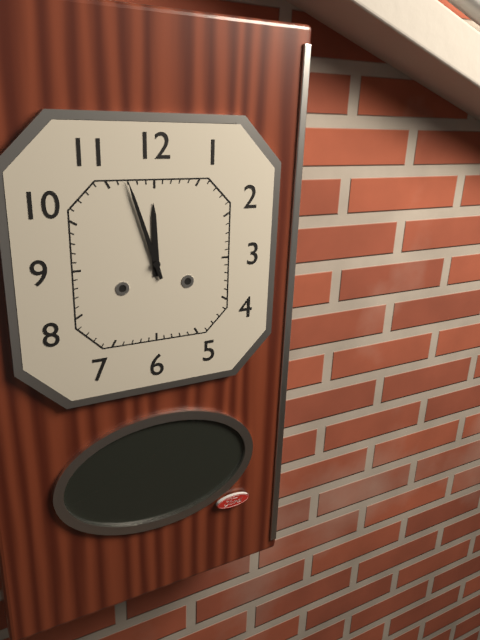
11:57
